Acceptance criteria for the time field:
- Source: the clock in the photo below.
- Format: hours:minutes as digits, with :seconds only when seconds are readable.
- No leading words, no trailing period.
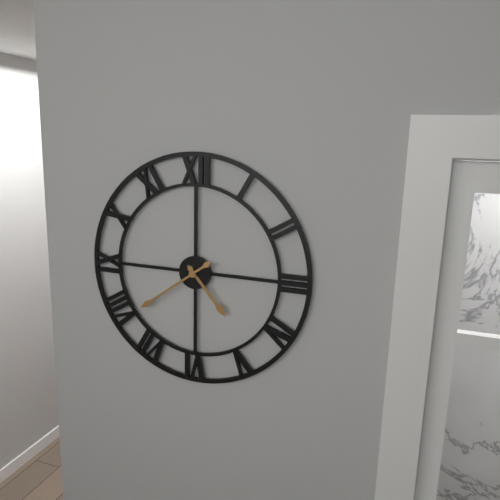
4:39
